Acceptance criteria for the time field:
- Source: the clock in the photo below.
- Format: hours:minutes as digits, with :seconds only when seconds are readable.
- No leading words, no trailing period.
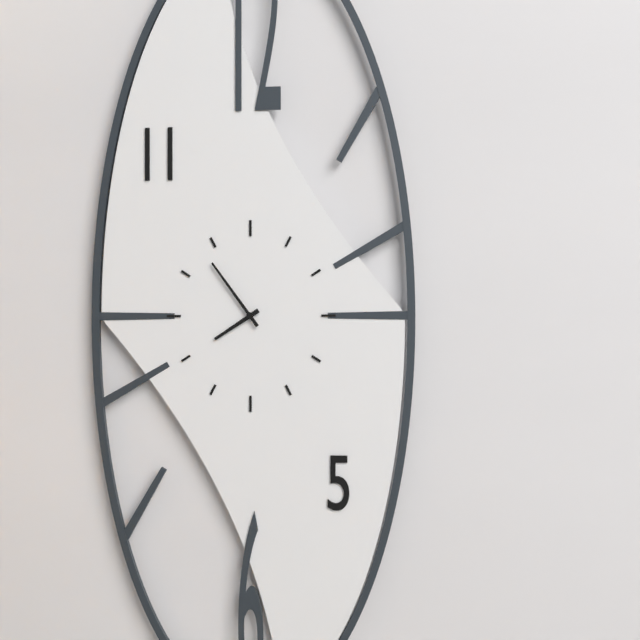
7:54
